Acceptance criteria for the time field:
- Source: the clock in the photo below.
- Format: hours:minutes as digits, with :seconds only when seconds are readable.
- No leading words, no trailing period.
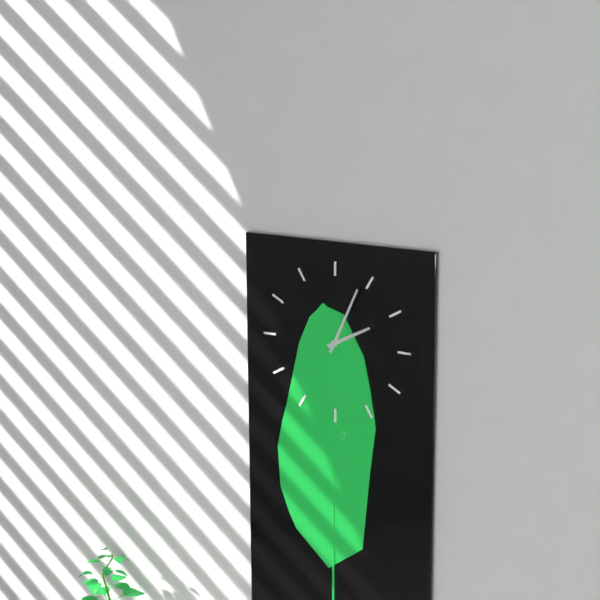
2:04
